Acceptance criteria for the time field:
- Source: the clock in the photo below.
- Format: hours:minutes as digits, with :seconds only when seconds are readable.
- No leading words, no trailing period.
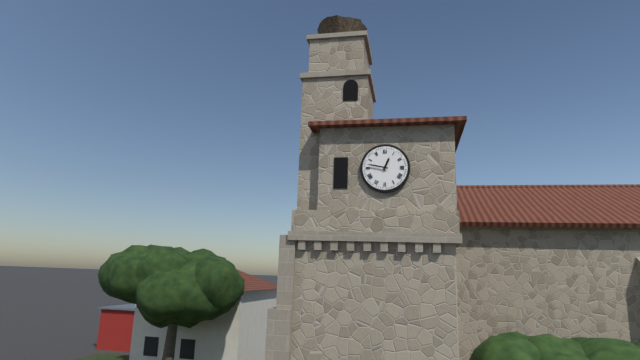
12:47
